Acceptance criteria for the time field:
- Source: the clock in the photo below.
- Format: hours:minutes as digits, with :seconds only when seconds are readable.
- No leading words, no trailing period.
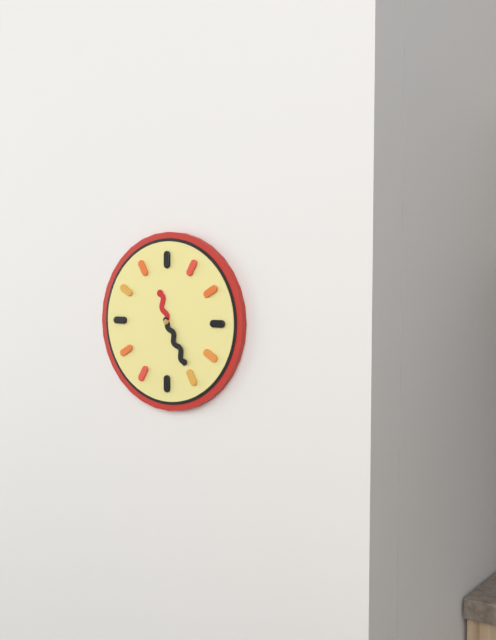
11:25
